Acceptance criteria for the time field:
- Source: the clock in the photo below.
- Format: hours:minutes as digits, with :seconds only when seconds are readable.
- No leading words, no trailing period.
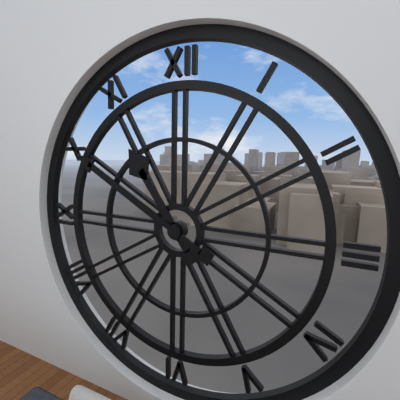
10:50
